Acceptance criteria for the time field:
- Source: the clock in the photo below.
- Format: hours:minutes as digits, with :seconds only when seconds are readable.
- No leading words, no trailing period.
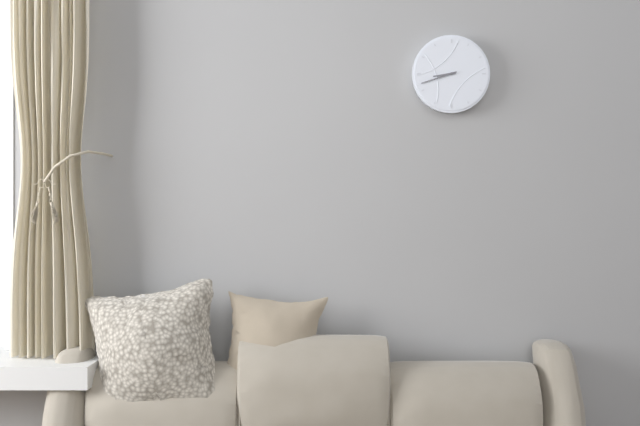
8:42
